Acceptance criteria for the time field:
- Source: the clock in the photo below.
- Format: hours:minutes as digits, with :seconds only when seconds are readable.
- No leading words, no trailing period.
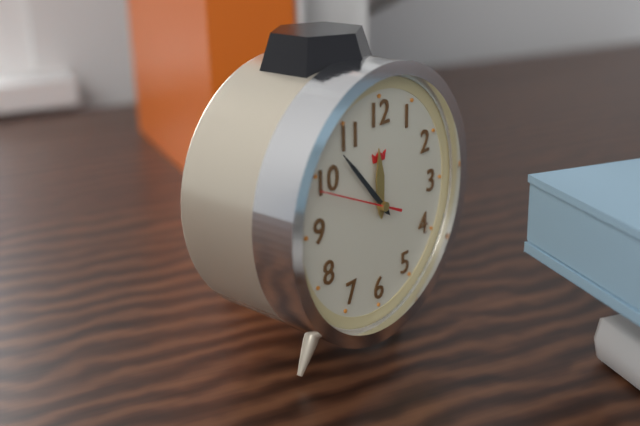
11:53:49
